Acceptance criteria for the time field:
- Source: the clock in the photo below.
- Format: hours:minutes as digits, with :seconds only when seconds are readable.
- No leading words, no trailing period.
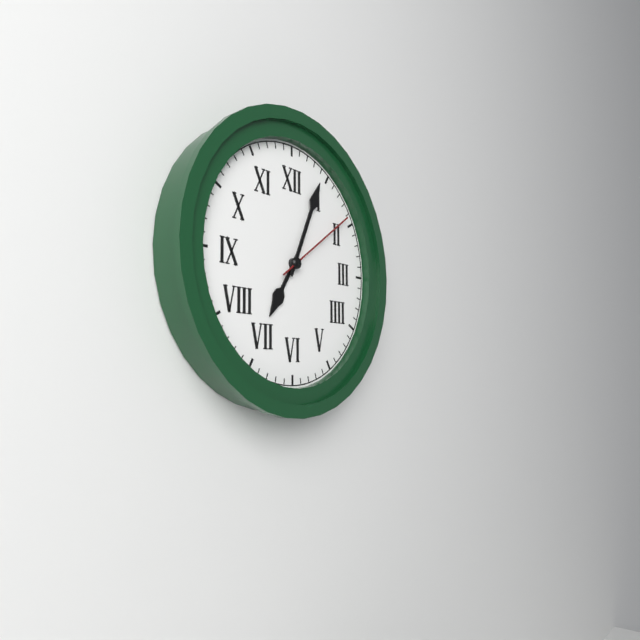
7:04:09
